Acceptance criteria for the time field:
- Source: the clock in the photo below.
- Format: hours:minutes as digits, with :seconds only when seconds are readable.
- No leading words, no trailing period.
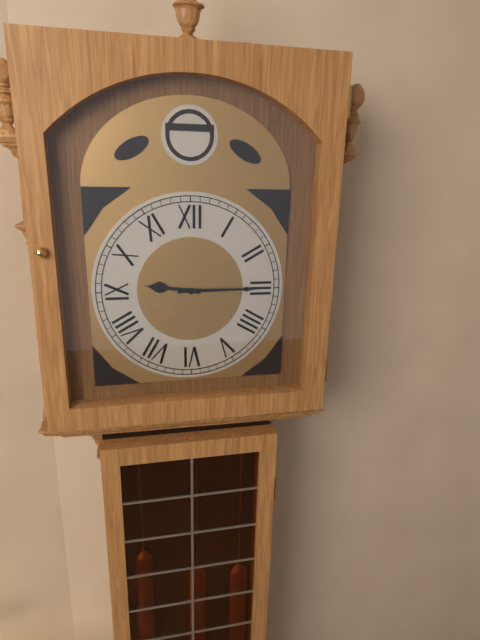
9:15
